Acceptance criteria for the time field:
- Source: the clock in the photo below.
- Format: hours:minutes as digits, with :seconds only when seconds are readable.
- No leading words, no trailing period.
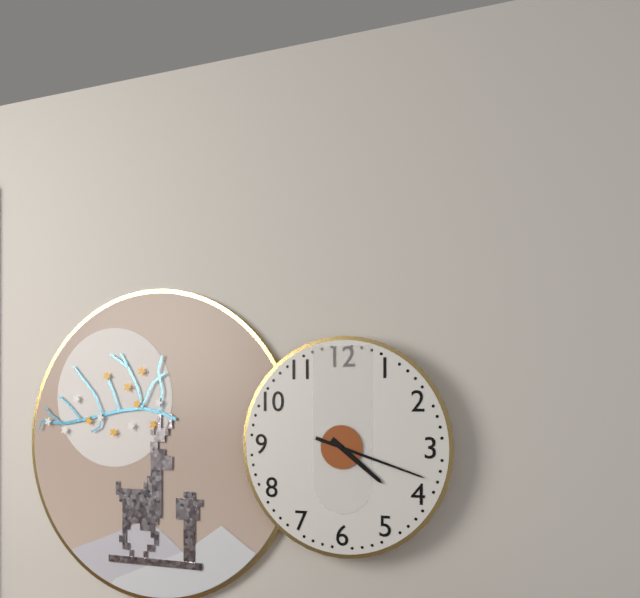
4:18
